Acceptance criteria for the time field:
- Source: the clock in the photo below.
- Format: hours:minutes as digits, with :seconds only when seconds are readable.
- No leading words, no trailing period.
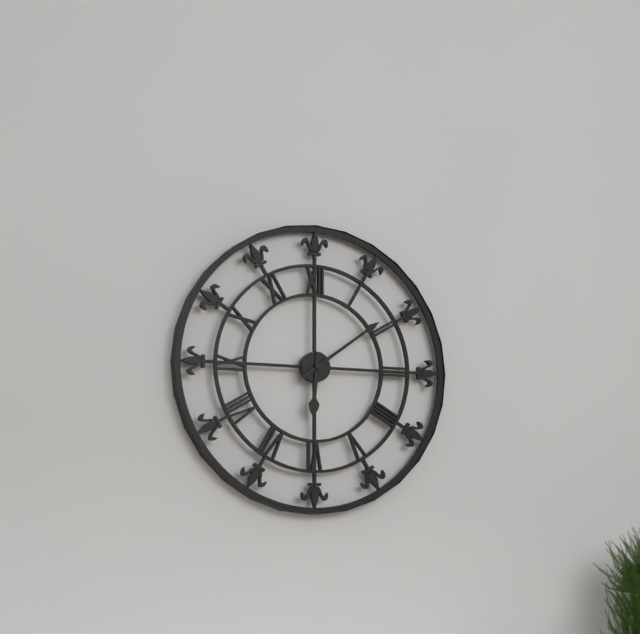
6:09
